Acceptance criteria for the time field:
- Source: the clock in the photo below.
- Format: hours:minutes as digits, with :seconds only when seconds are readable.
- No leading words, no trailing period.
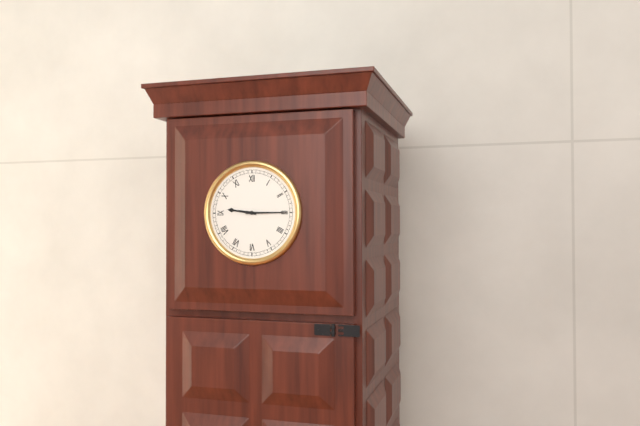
9:15
